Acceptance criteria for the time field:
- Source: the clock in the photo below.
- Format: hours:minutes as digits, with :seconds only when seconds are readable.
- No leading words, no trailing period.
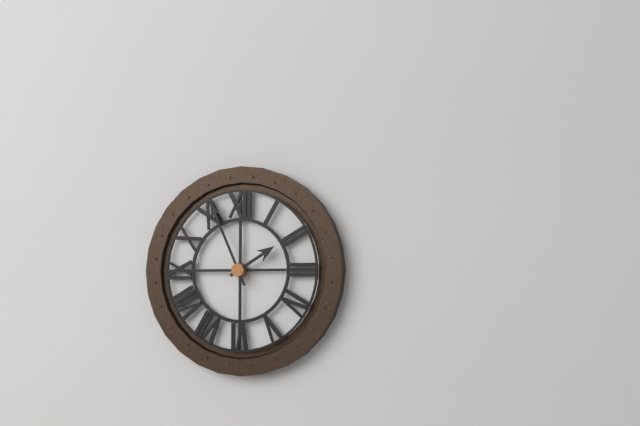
1:56
